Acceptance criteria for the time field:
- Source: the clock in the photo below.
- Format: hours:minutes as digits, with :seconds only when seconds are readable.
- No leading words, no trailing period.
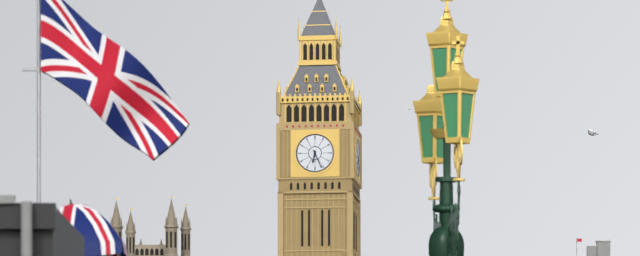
6:26
